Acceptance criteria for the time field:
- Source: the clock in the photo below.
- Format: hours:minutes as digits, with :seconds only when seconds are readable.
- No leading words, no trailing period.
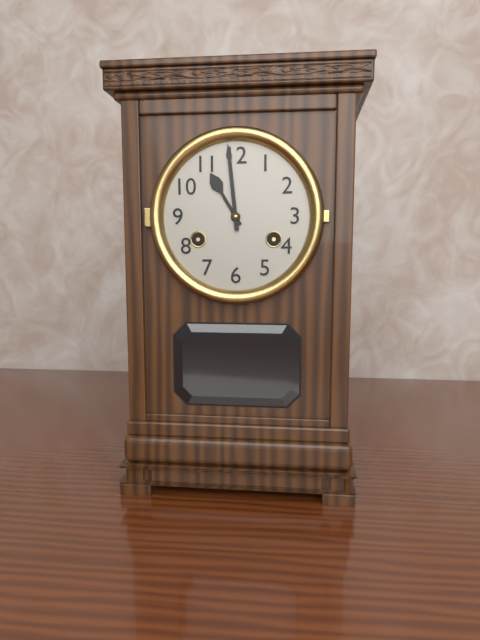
10:59
